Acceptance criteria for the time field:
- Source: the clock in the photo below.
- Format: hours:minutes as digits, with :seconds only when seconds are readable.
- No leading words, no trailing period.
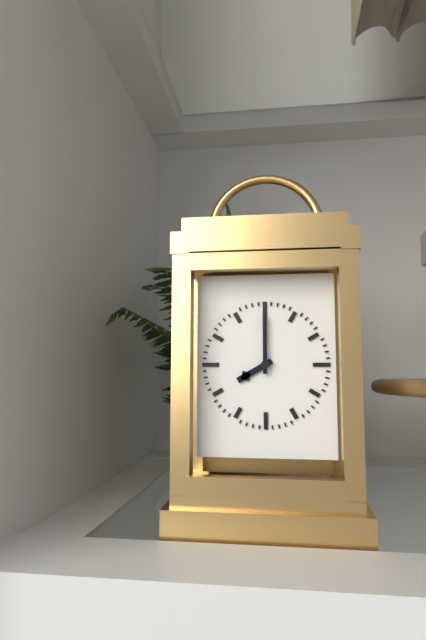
8:00
